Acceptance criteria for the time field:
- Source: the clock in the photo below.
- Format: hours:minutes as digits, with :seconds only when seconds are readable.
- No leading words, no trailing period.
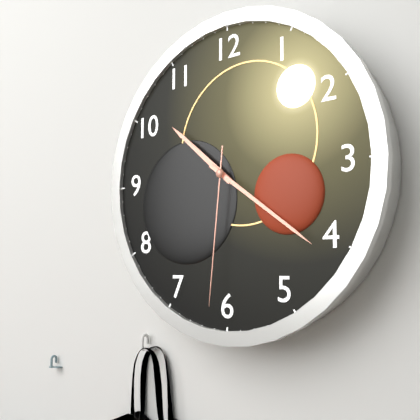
10:21:31
